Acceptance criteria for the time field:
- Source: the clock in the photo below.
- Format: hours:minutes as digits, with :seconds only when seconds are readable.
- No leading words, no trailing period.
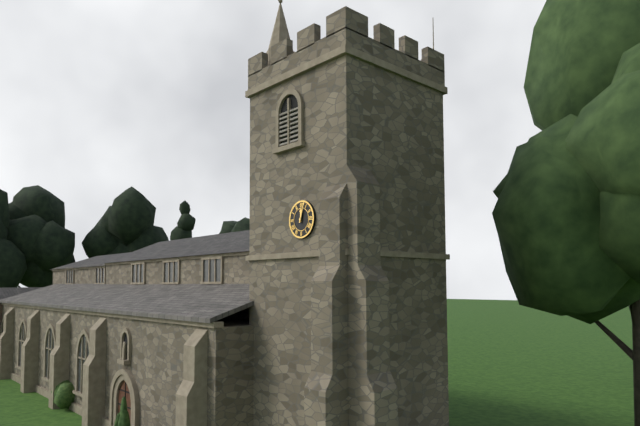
12:03
